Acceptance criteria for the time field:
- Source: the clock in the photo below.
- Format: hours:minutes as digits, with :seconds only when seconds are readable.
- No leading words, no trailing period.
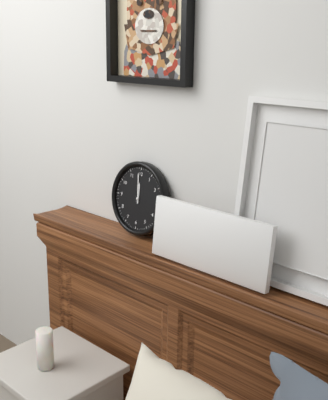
11:59
